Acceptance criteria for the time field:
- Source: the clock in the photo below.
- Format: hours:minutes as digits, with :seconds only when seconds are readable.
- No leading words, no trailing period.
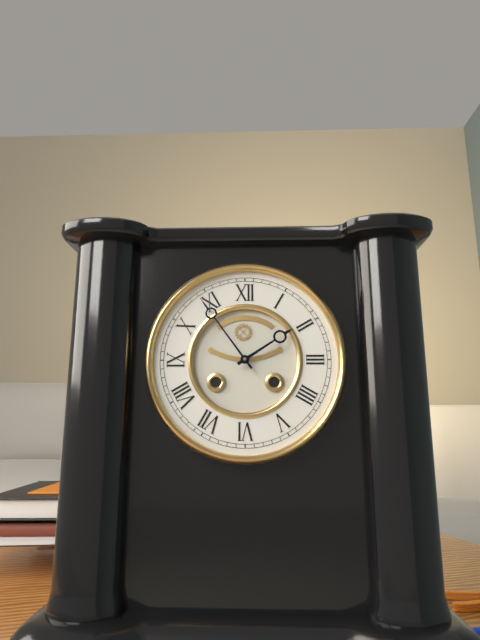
1:54
